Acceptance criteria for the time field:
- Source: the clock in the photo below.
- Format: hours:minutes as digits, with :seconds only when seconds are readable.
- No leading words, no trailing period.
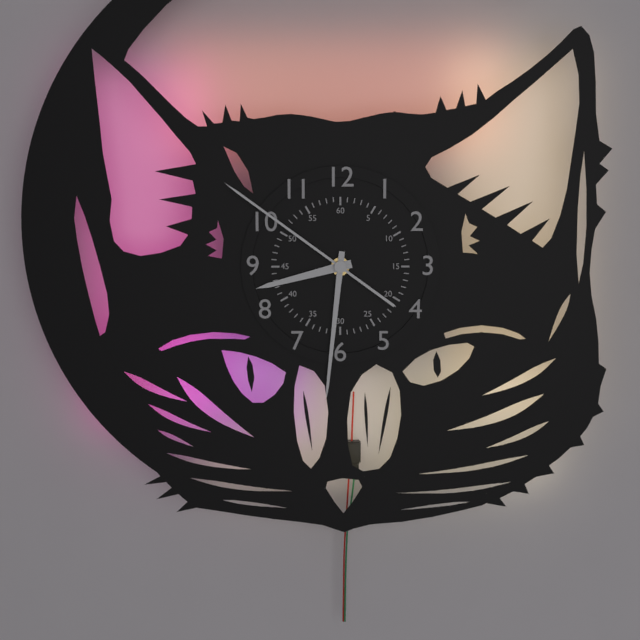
8:31:51
